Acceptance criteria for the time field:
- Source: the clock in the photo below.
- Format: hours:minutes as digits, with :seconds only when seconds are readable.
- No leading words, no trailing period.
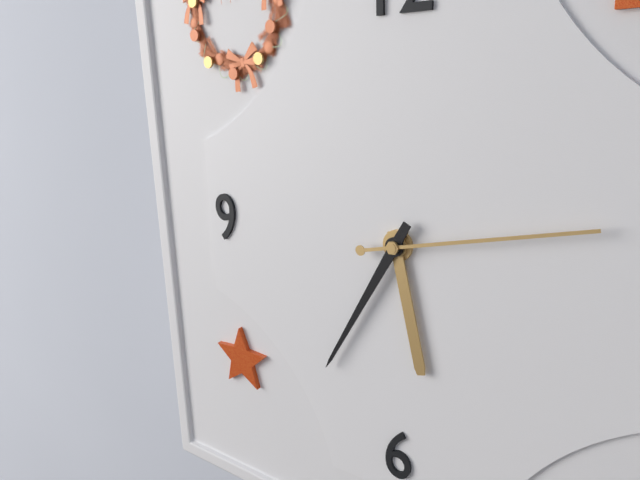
5:35:13
